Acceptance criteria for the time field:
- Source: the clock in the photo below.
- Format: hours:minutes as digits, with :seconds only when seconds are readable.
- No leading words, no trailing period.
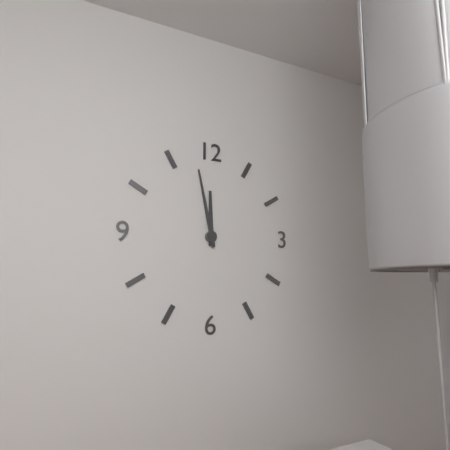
11:58
